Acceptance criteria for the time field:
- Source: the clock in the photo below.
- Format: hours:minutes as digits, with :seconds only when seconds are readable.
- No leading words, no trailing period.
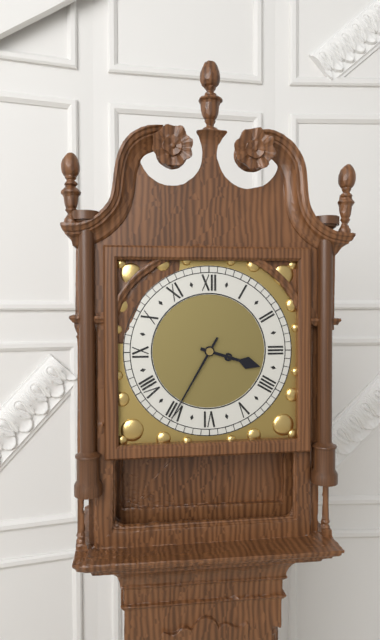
3:35
